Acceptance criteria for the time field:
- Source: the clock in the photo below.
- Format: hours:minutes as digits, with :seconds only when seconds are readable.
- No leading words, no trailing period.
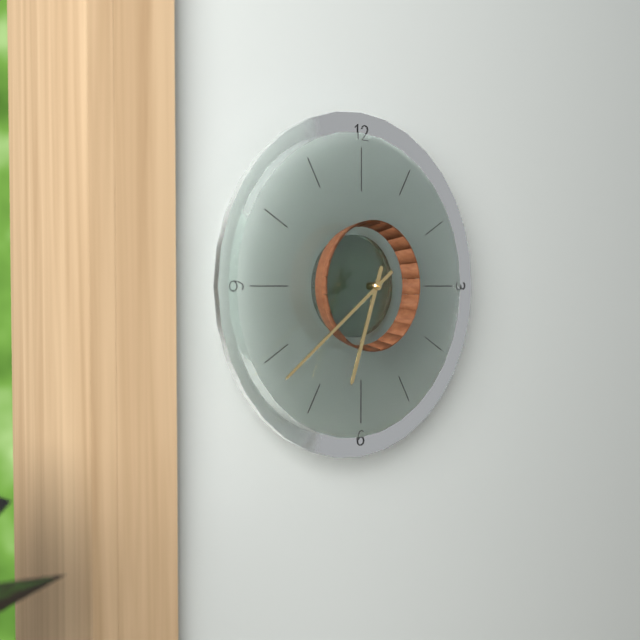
6:39
